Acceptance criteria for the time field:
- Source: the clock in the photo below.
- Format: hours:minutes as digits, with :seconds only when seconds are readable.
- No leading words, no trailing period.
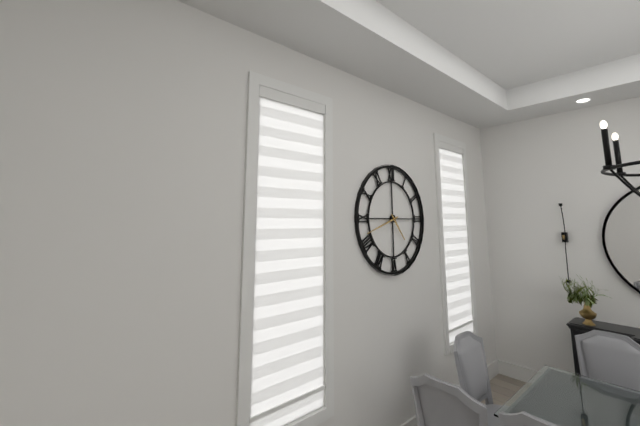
4:42
